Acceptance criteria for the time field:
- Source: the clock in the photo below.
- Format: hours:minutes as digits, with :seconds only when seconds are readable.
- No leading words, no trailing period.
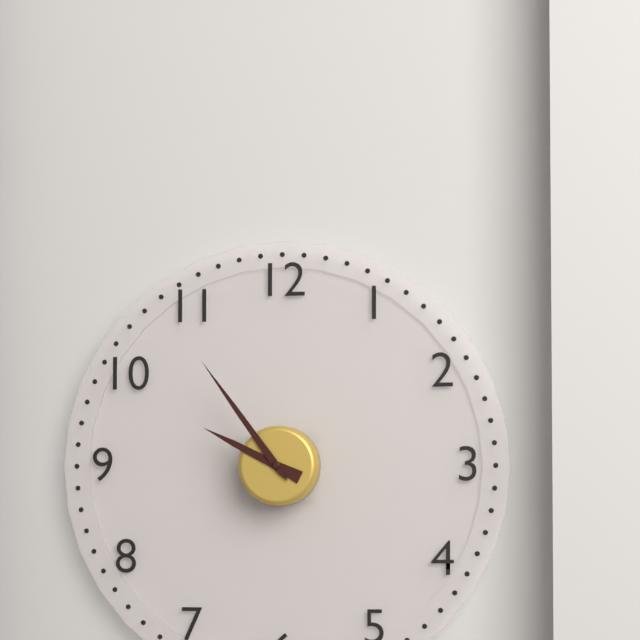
9:54
